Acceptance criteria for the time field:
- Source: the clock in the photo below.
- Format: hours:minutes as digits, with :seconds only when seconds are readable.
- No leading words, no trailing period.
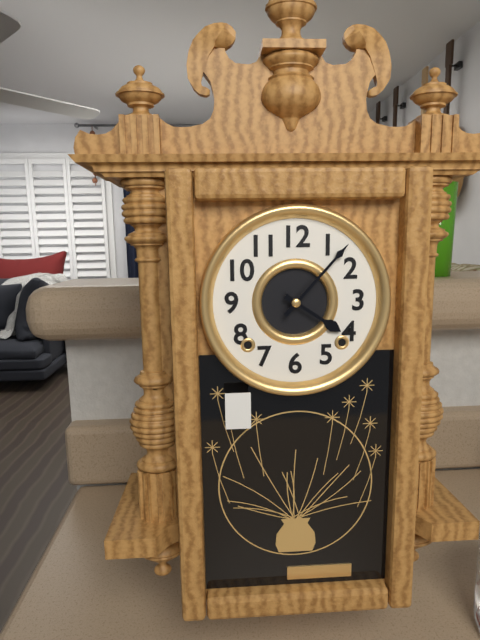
4:07
